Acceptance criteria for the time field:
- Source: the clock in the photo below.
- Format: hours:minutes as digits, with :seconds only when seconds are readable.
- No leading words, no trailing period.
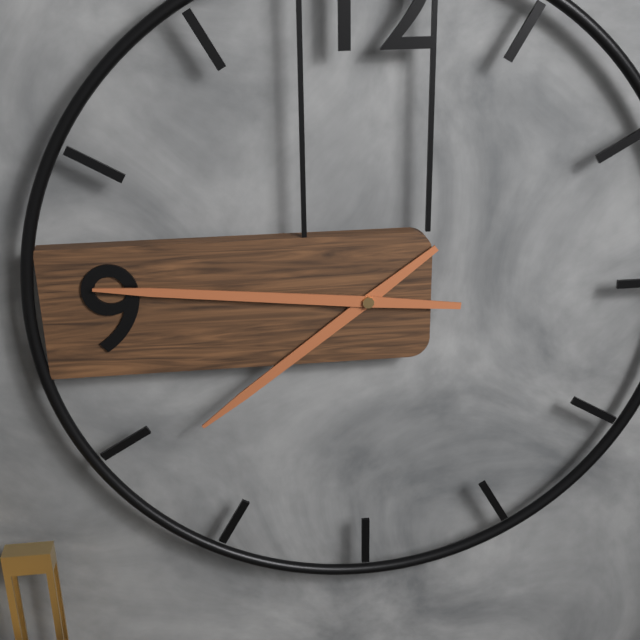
7:46
